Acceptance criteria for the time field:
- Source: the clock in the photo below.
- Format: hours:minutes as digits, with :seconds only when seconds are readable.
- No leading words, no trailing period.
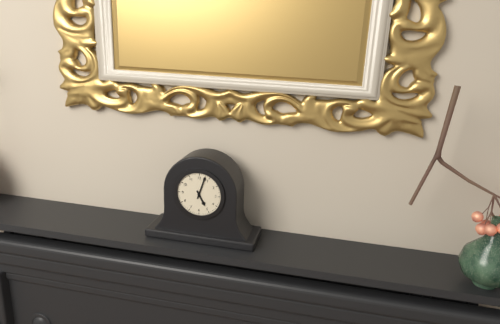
5:03
